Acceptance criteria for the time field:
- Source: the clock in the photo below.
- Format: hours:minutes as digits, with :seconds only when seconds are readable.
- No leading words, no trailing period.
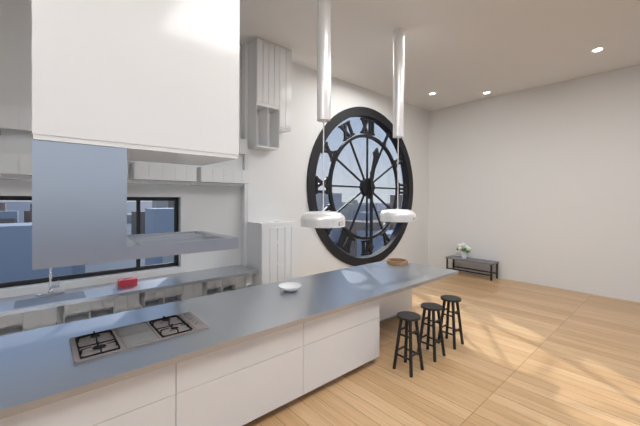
12:30
